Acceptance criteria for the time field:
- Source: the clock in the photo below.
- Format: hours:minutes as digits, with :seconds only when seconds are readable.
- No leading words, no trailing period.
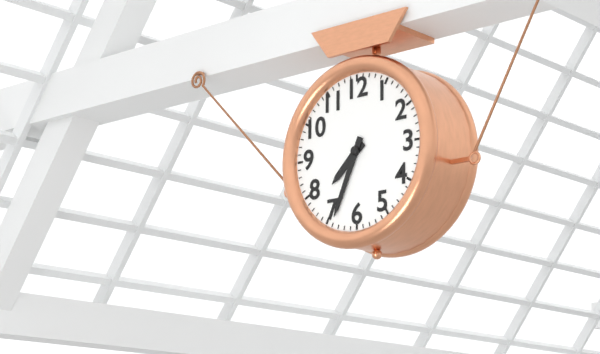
7:34
